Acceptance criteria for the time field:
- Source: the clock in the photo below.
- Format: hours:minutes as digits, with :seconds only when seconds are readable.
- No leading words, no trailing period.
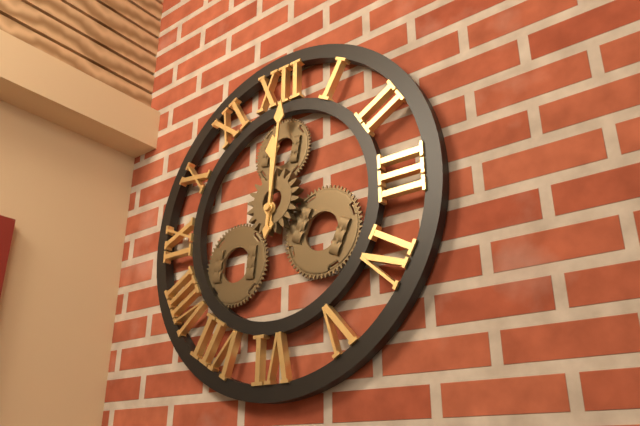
12:01
